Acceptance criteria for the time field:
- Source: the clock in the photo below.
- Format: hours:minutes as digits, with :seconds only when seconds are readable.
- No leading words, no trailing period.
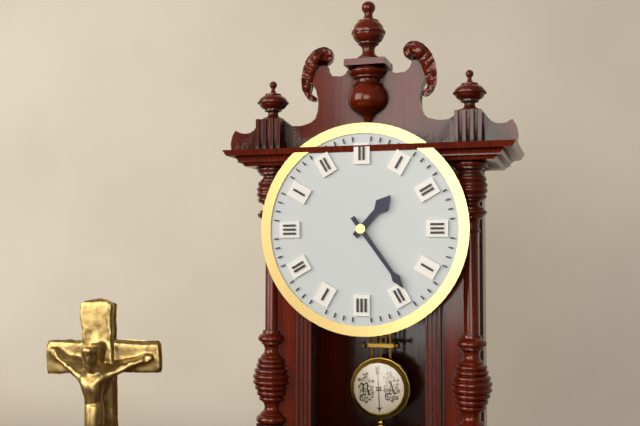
1:24
